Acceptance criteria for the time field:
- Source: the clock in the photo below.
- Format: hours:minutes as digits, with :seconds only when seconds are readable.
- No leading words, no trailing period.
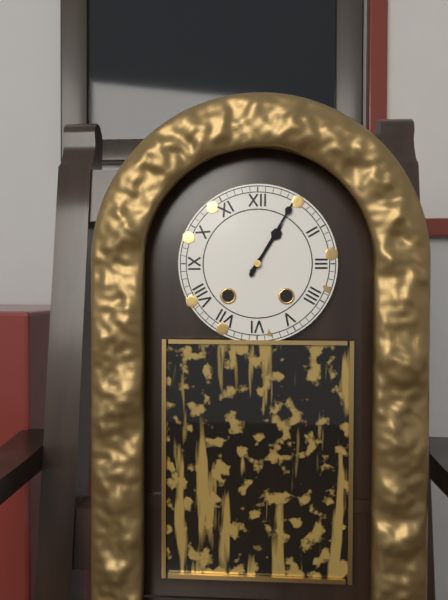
1:05
